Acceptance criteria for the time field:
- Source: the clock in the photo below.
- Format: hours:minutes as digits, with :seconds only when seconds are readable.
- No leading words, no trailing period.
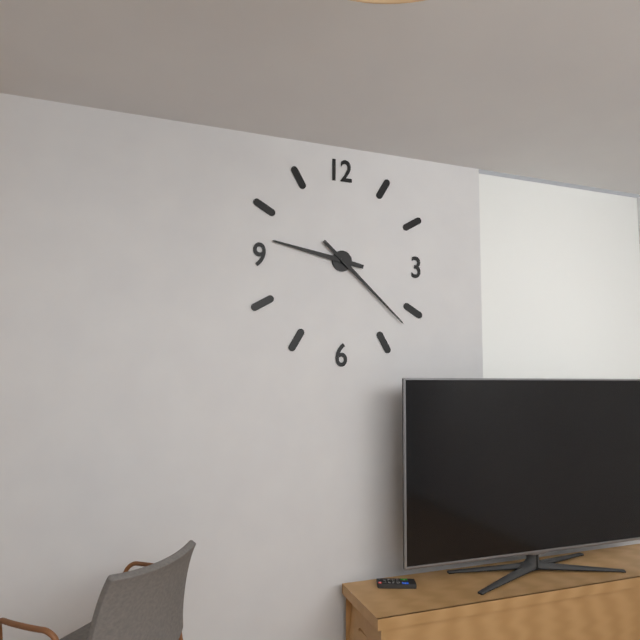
9:22
